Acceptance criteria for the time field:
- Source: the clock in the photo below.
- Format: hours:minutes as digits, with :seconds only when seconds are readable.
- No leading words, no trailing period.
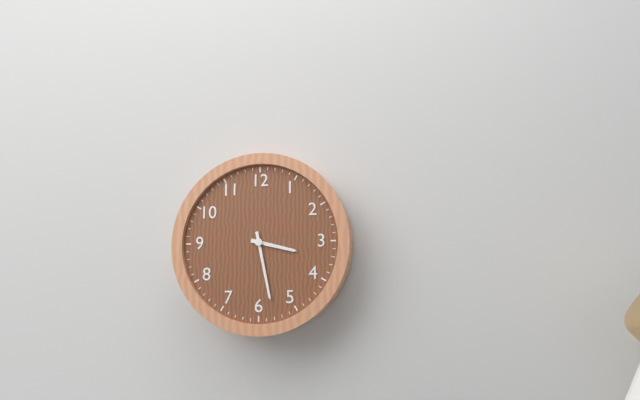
3:28
